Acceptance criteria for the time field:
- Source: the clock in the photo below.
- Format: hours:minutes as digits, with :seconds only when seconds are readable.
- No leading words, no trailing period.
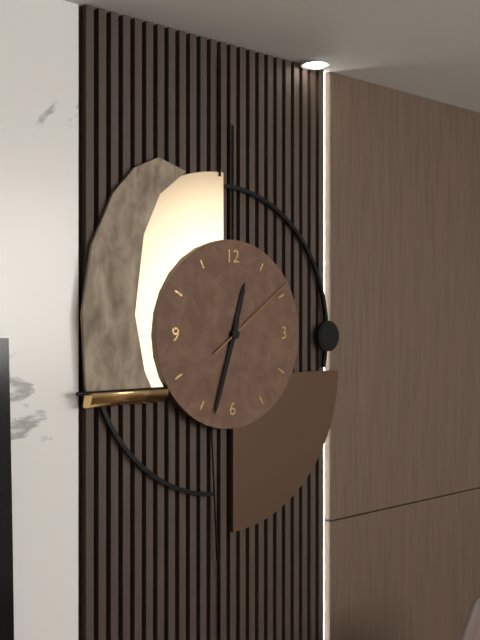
12:33:09
